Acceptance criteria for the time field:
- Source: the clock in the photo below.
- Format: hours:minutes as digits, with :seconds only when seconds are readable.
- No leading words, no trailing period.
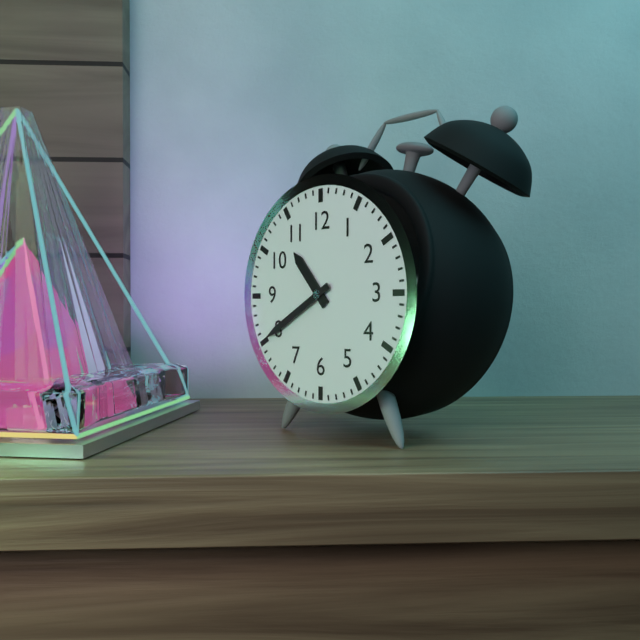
10:40
